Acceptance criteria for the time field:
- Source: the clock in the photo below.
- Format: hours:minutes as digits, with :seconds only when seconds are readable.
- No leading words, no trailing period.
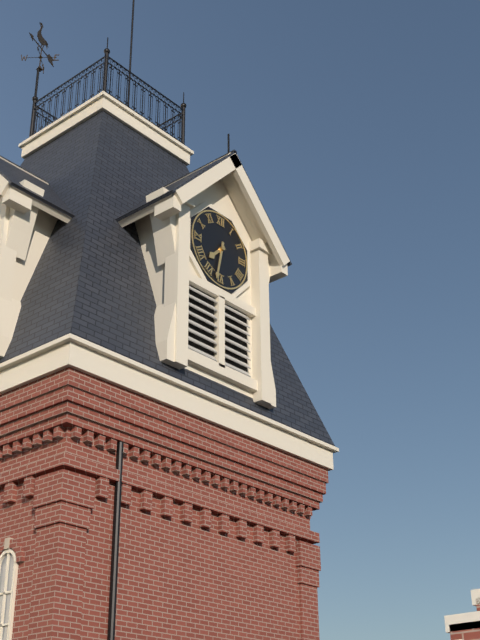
7:32
